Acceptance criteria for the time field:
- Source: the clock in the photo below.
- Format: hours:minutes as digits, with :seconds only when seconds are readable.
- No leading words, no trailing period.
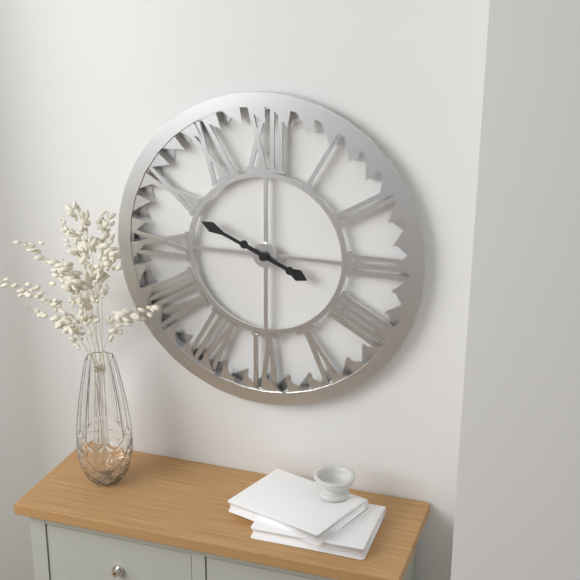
3:49
